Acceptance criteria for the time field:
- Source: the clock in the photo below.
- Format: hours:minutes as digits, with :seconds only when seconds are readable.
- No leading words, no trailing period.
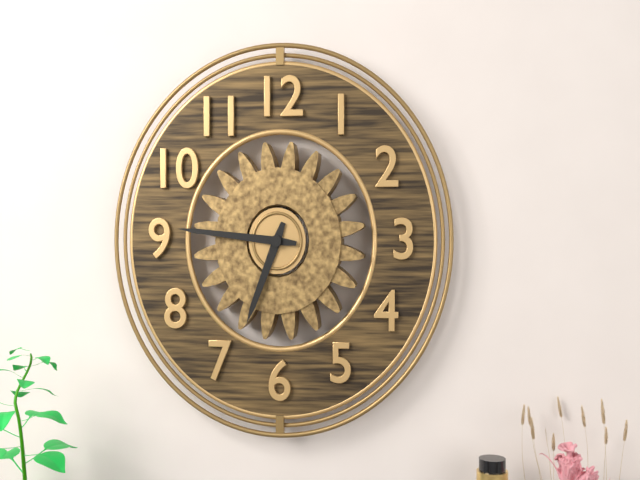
6:46
